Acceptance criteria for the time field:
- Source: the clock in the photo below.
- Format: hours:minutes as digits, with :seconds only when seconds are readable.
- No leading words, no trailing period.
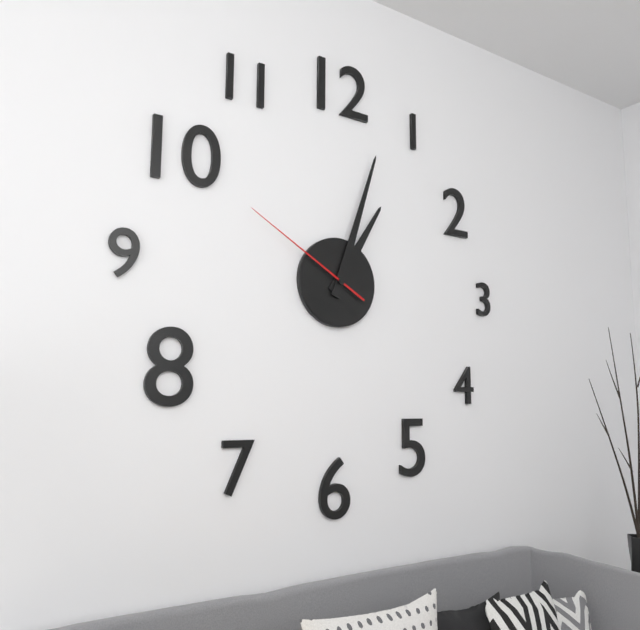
1:03:50
